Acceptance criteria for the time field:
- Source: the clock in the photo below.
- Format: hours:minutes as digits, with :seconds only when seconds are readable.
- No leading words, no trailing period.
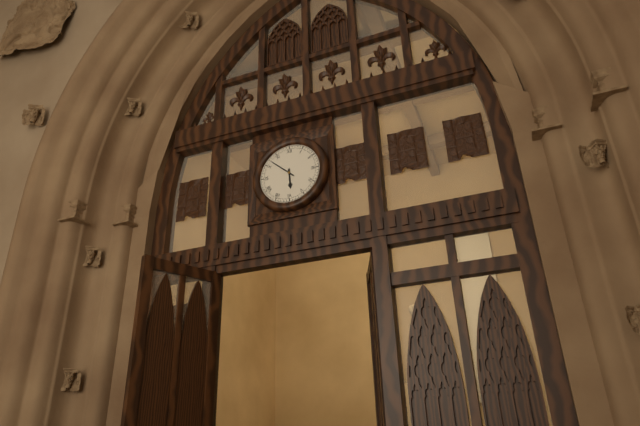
5:52
